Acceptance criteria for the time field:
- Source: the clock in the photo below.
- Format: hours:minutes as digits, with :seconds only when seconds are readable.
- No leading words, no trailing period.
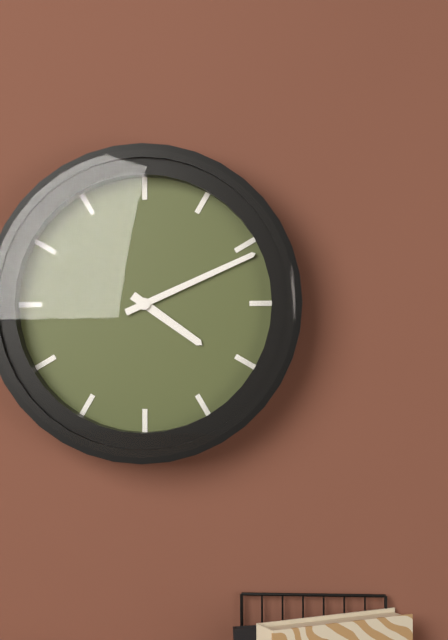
4:11
